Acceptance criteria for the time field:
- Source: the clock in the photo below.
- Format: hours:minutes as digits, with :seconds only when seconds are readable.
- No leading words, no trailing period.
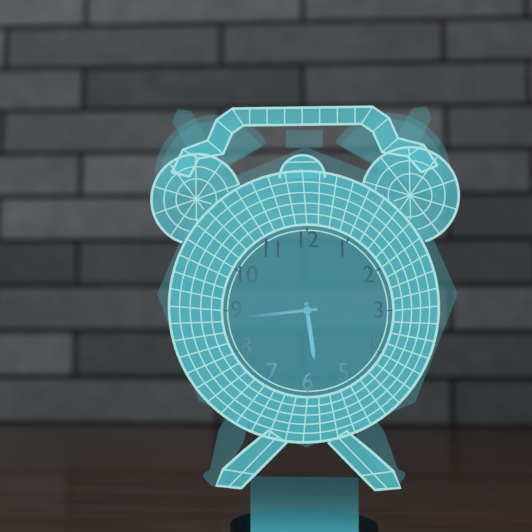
5:44
